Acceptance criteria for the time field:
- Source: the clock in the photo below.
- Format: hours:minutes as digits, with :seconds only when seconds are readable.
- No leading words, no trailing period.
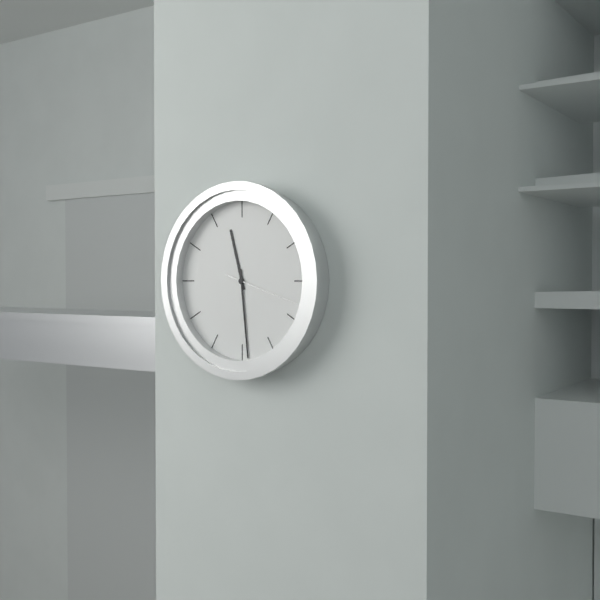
11:29:18
